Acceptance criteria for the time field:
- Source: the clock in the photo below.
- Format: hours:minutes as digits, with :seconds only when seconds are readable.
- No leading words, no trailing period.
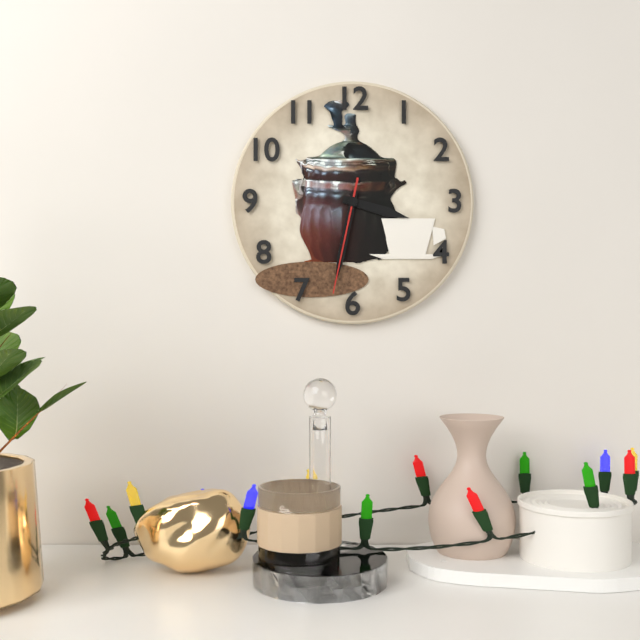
3:32:32
